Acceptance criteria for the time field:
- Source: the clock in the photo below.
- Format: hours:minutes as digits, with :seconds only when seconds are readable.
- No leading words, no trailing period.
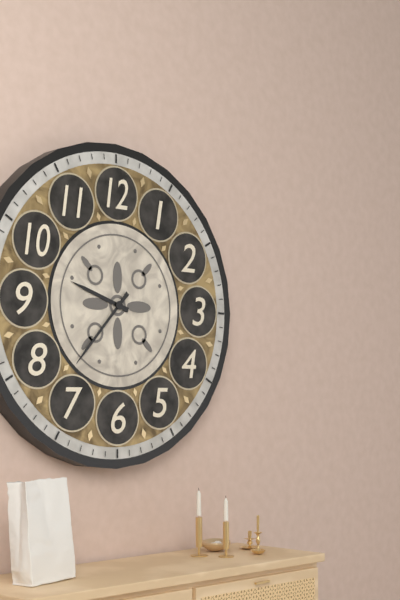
9:37
